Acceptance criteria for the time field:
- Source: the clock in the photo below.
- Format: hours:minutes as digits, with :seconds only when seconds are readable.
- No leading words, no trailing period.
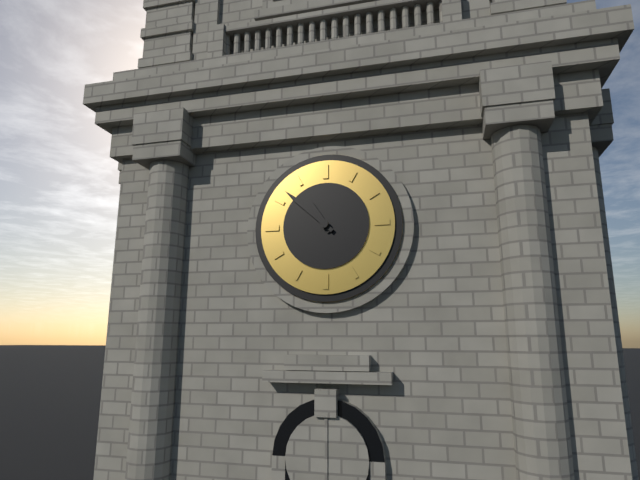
10:52
